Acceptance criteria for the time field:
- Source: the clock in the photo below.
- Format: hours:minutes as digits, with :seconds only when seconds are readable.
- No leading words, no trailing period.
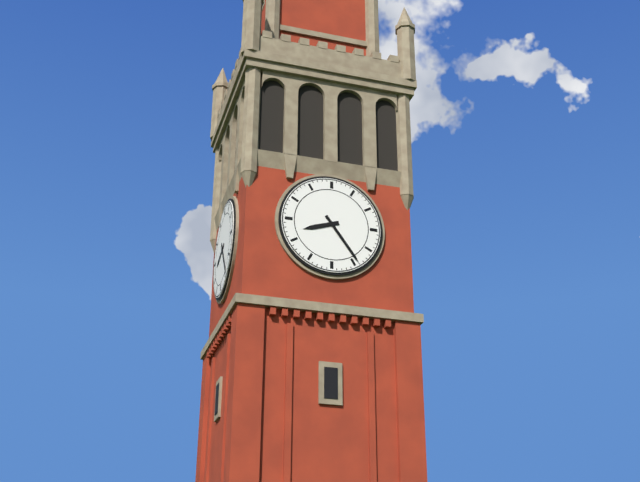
8:24
